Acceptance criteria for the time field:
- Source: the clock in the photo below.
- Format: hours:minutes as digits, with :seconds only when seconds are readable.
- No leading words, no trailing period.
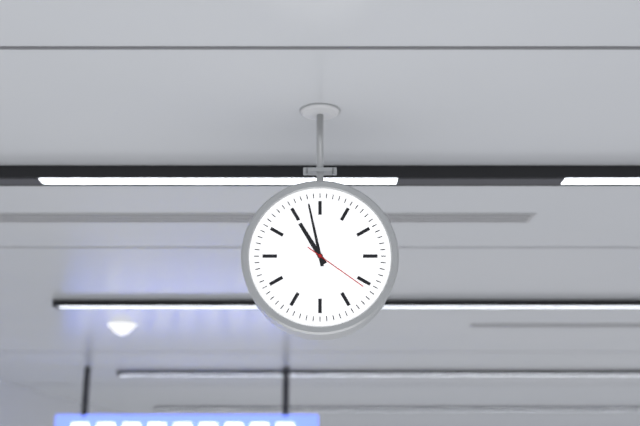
10:58:21
